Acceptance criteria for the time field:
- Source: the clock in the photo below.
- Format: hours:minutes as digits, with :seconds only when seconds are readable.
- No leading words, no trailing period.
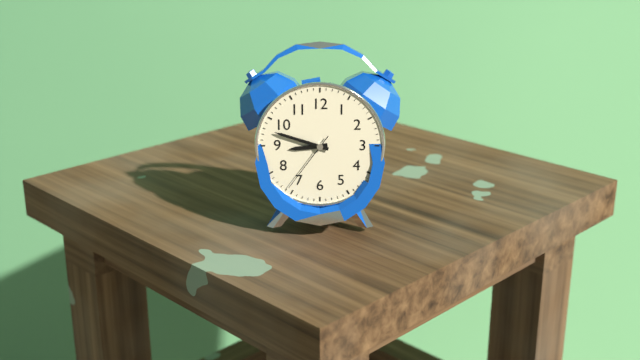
8:48:36
